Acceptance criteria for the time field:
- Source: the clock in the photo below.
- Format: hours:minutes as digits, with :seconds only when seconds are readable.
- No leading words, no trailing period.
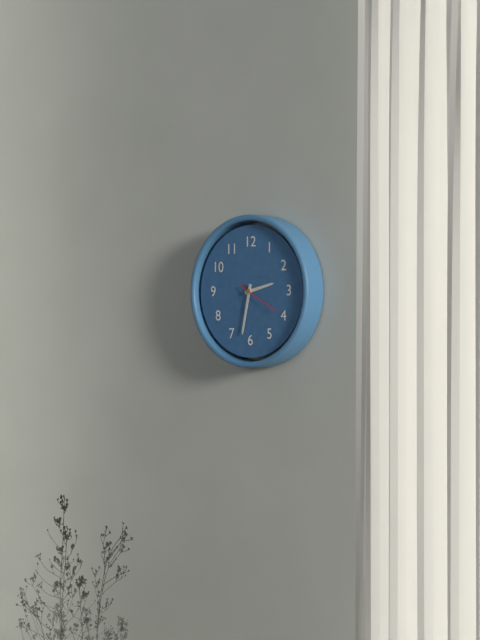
2:32
